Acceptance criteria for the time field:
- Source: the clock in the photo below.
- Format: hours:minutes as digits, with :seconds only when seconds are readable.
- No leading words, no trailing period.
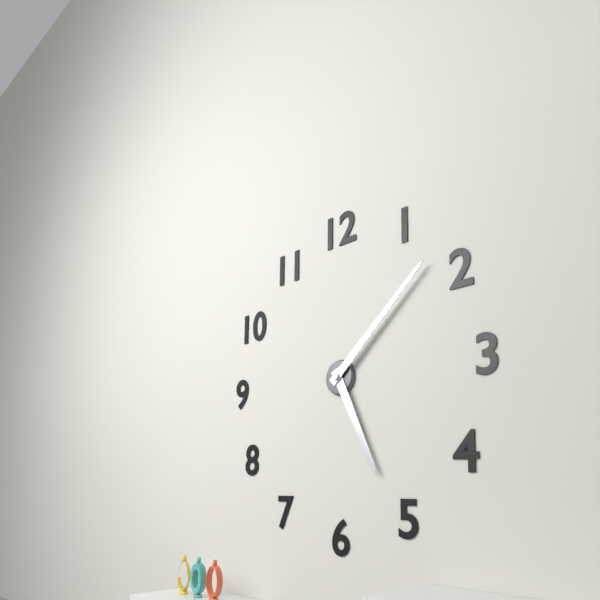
5:08
